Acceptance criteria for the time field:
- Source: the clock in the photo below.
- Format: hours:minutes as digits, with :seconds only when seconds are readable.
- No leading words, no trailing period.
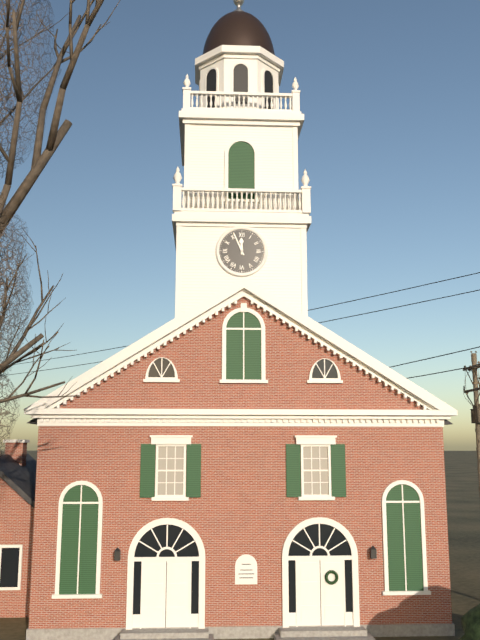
11:56
